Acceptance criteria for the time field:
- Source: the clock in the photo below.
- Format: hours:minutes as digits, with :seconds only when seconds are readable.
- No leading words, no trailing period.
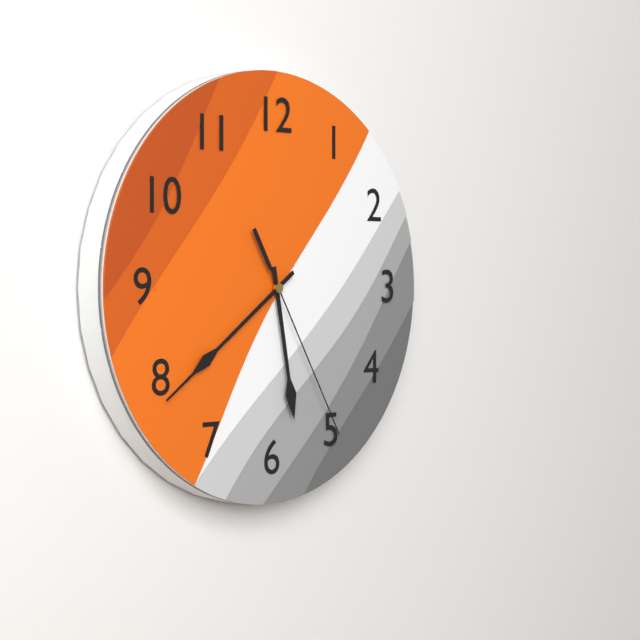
5:39:25
